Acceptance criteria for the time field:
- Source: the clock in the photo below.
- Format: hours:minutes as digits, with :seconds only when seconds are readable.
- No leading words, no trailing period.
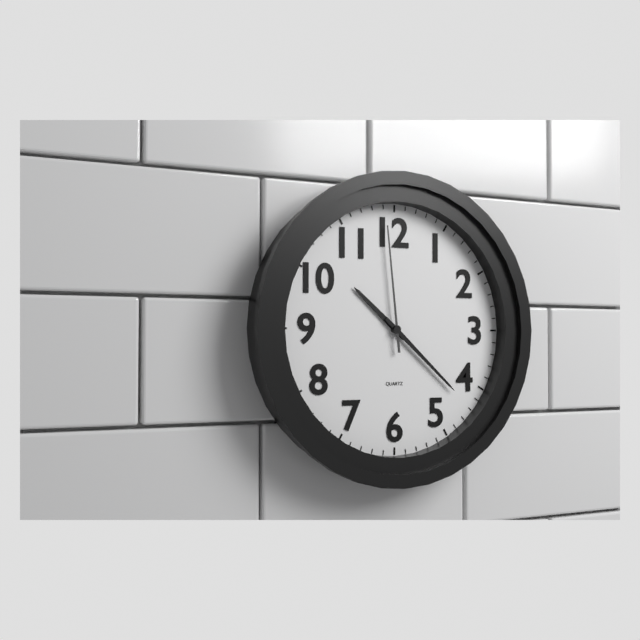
10:22:59
